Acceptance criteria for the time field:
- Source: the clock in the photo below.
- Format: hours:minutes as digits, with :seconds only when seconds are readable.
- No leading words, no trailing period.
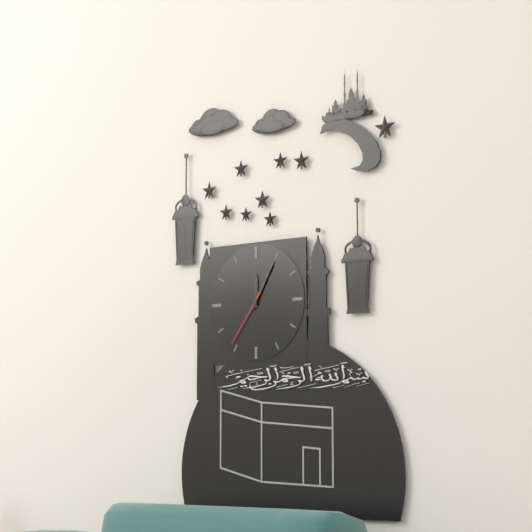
12:05:36
